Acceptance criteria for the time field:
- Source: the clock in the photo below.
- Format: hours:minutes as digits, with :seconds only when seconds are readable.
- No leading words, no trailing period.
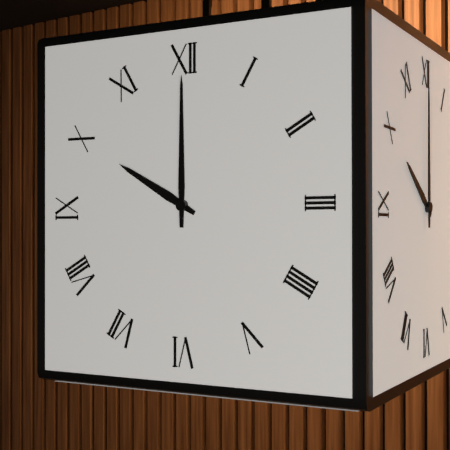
10:00
